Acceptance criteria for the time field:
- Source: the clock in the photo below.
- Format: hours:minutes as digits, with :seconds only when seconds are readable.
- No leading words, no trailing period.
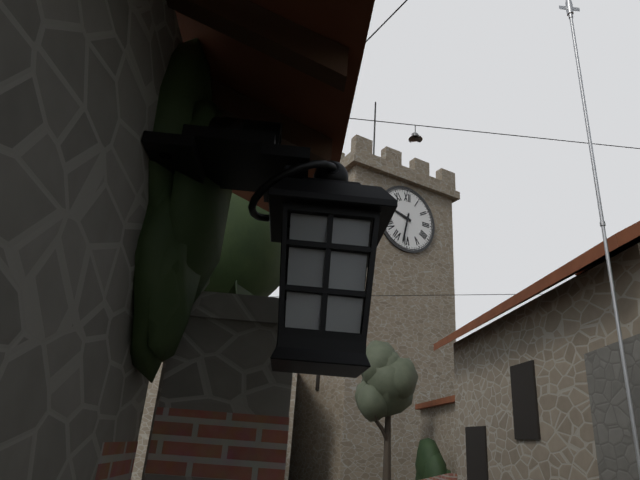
9:32
